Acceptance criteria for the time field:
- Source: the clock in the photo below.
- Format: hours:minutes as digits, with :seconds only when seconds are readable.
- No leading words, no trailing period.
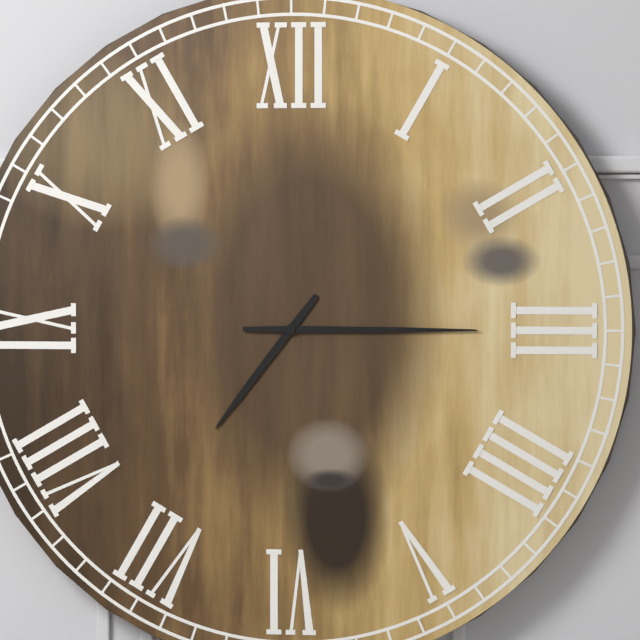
7:15
